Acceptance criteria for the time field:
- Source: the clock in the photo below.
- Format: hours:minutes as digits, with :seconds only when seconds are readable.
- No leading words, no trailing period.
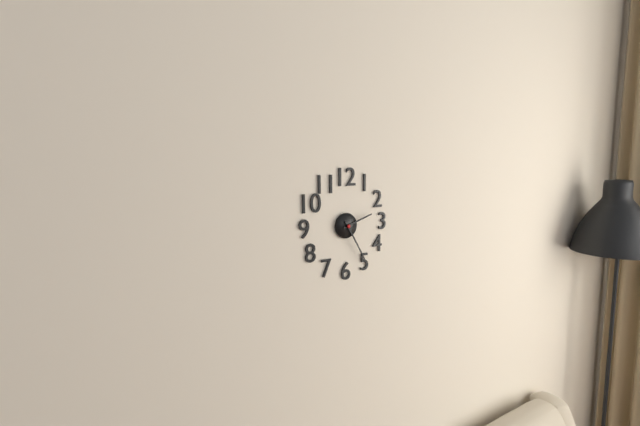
2:25
